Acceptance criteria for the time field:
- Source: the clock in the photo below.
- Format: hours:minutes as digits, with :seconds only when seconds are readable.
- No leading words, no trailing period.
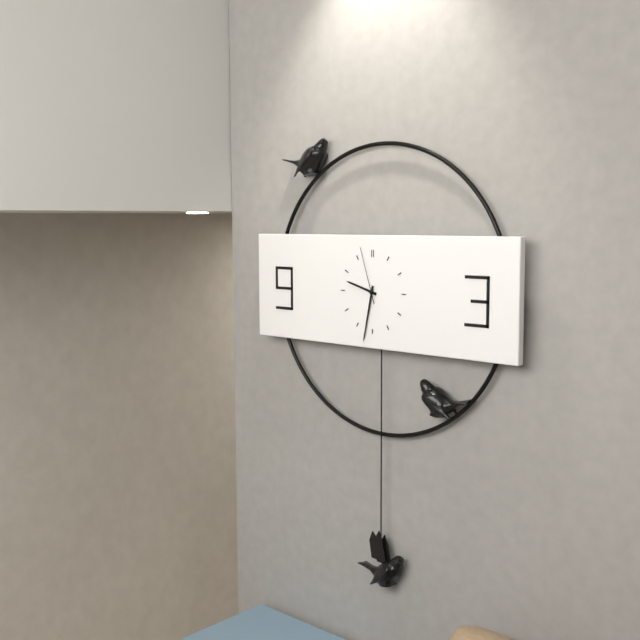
9:32:57
